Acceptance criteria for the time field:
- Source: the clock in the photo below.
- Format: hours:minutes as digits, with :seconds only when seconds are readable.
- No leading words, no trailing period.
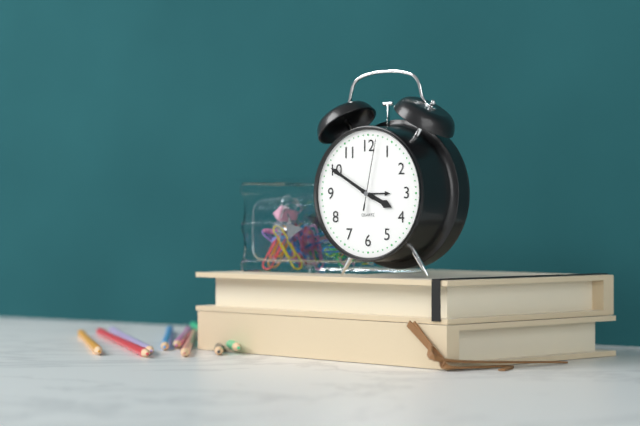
3:50:02
